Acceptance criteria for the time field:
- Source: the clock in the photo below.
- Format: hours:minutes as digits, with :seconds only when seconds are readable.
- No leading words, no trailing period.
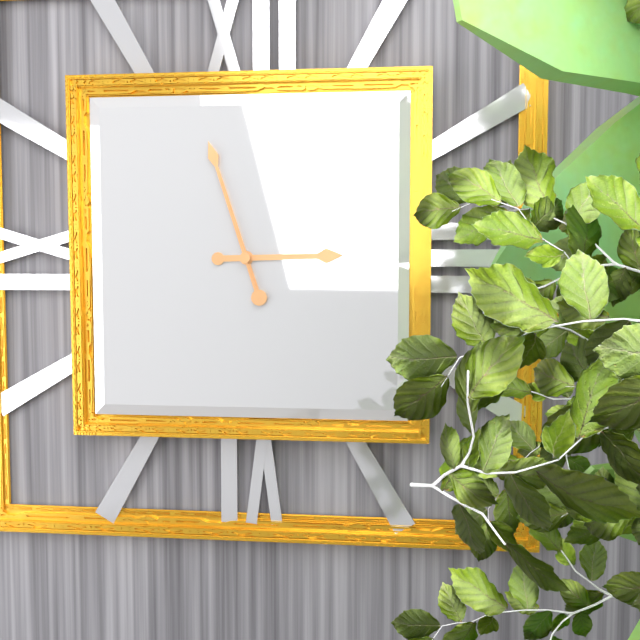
2:57:57
